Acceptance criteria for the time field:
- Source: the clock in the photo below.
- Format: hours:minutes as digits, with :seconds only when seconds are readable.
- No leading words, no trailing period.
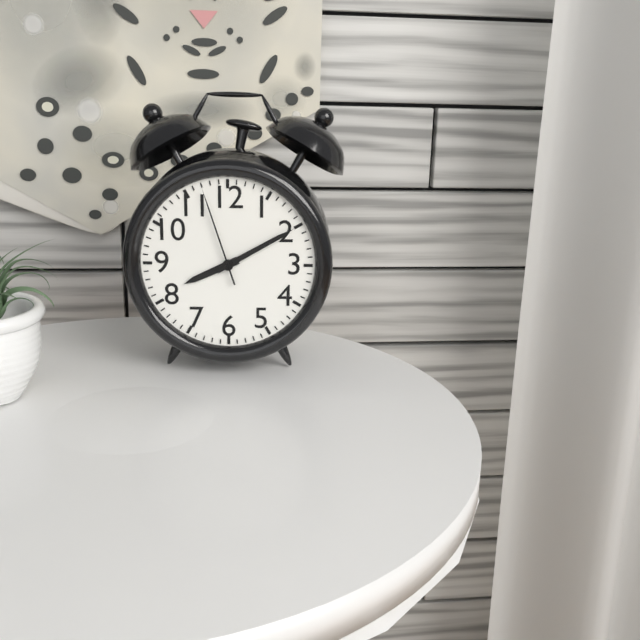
8:10:57
